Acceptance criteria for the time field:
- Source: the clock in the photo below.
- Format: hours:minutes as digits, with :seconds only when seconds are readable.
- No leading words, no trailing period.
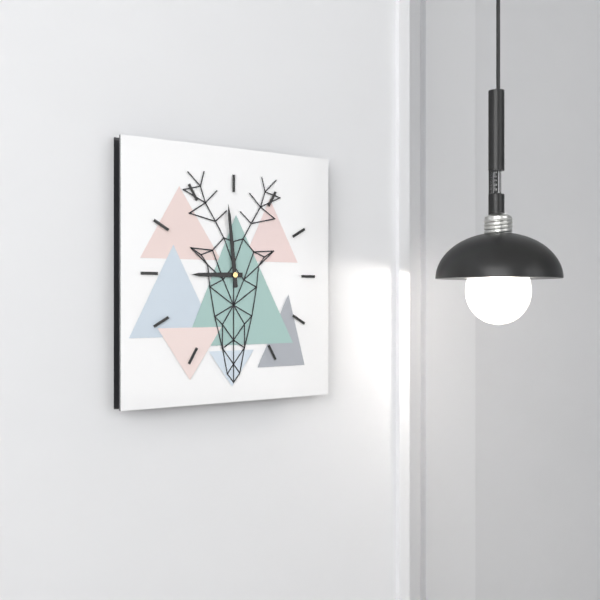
8:59
